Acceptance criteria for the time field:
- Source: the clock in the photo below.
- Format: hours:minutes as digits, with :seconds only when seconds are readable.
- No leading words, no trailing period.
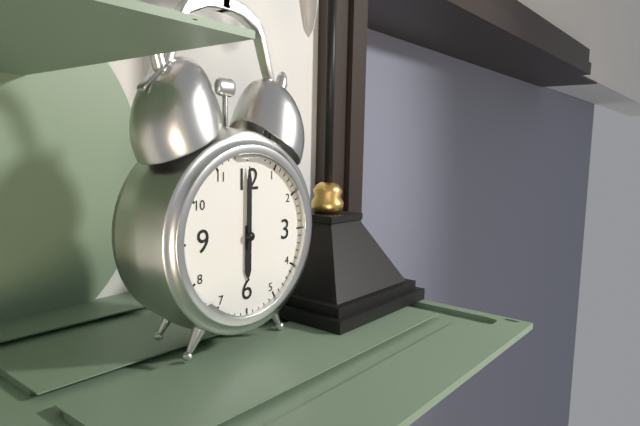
6:00
